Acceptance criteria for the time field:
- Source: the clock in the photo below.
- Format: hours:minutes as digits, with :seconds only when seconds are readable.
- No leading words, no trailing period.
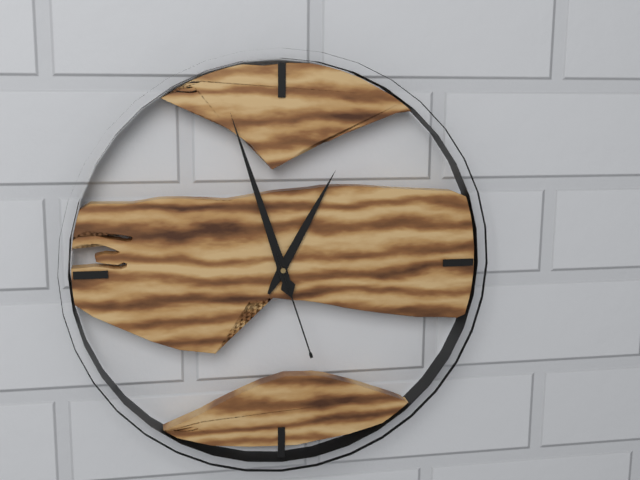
12:57:27
